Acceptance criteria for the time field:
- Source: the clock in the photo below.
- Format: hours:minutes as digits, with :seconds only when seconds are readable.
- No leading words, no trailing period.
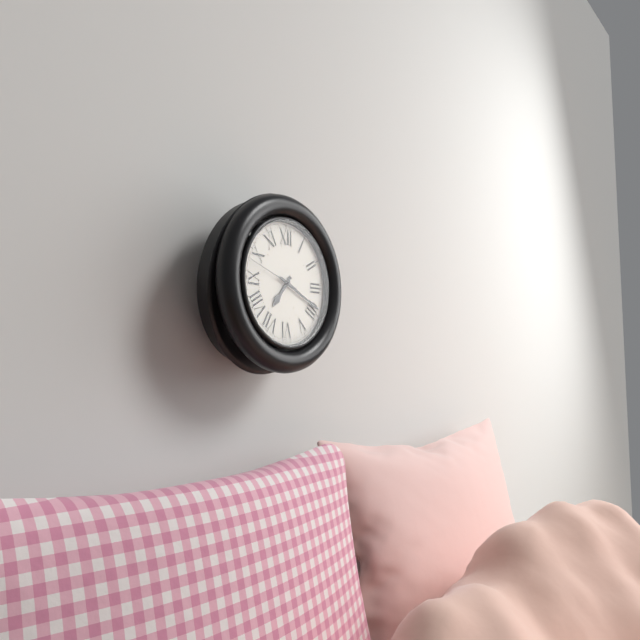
7:19:48
